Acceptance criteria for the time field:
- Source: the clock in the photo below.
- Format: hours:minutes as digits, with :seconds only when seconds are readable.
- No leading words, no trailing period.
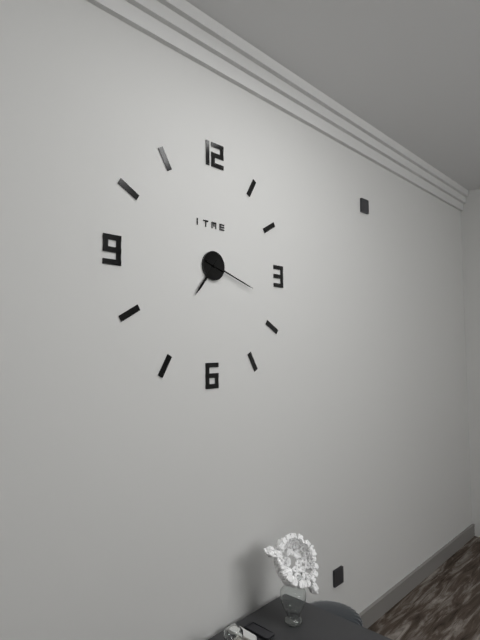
7:18
